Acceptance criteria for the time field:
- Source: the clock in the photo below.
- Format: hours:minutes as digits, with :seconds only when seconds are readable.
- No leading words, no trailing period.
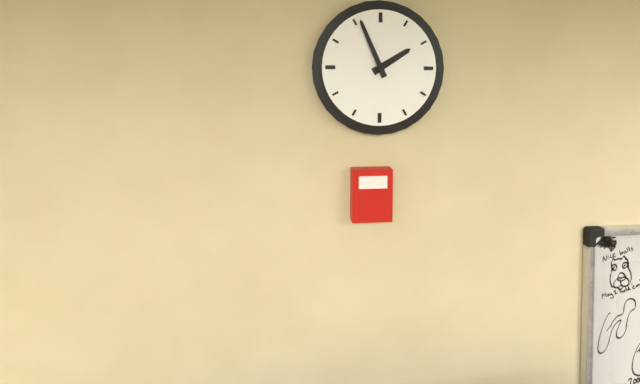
1:56
